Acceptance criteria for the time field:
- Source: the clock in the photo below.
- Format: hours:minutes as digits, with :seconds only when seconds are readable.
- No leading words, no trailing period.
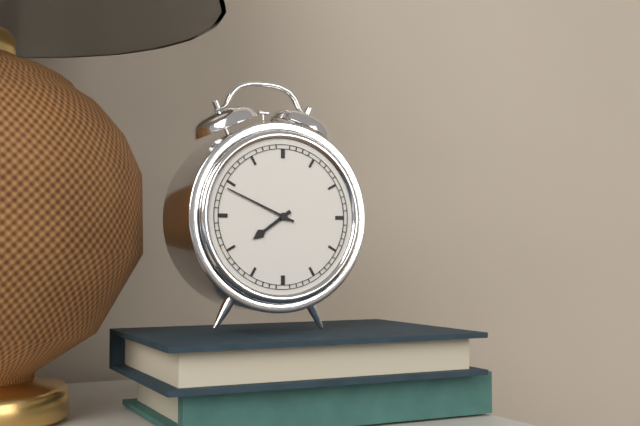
7:49
